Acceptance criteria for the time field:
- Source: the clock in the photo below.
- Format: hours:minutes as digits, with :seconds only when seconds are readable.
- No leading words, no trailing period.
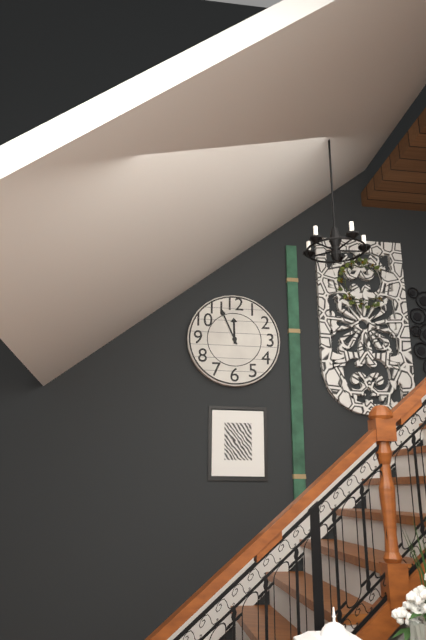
11:56
